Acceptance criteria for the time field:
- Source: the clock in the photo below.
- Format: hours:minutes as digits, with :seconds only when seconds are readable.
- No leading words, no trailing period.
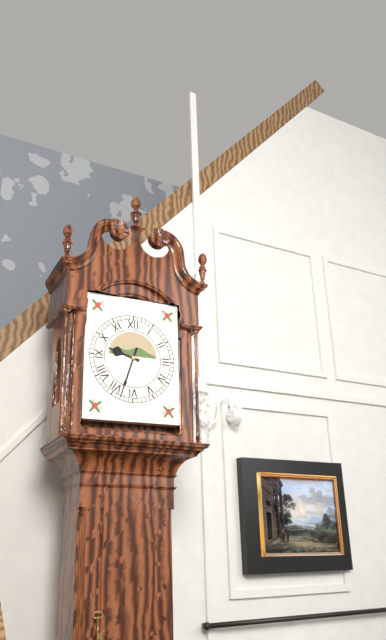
9:33
